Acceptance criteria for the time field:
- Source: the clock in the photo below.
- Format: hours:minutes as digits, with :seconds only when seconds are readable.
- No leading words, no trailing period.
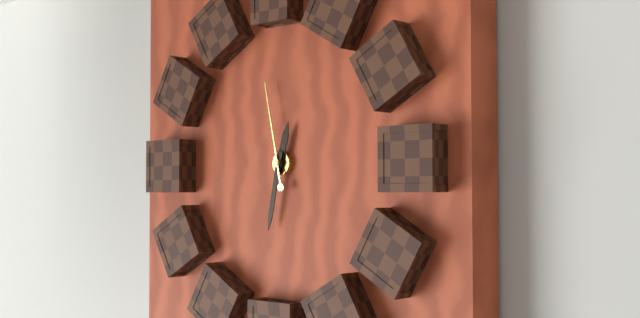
12:32:58
